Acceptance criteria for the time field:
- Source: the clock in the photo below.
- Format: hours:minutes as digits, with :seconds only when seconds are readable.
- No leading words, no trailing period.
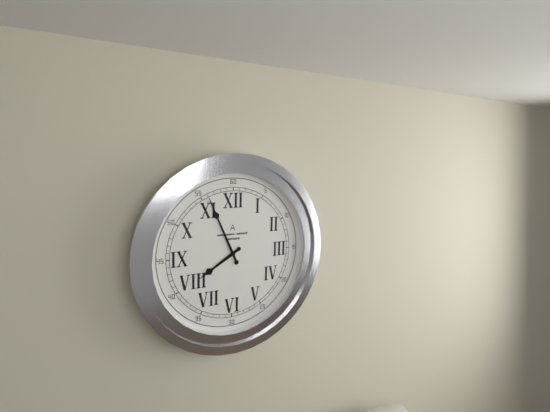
7:56
